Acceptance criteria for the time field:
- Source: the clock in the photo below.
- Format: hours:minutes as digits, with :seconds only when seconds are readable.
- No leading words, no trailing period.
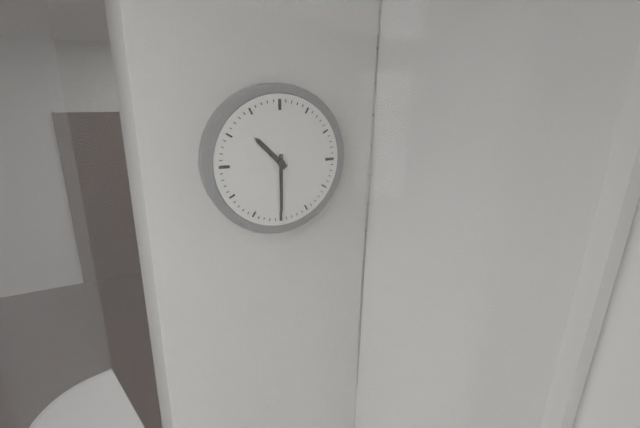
10:30
